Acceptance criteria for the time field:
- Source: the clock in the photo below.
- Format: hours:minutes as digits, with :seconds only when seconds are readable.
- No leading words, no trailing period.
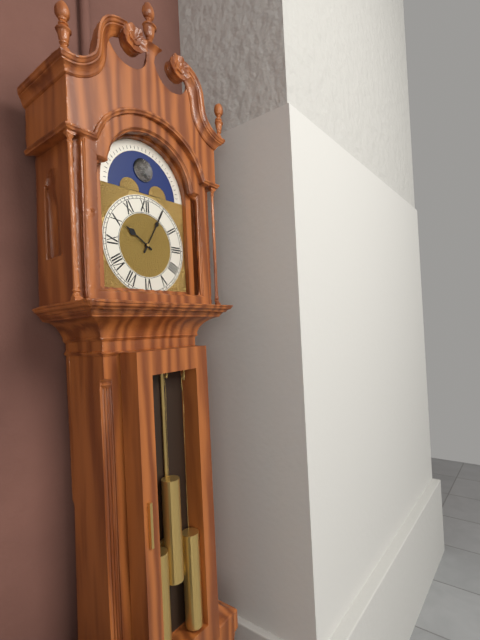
10:05
